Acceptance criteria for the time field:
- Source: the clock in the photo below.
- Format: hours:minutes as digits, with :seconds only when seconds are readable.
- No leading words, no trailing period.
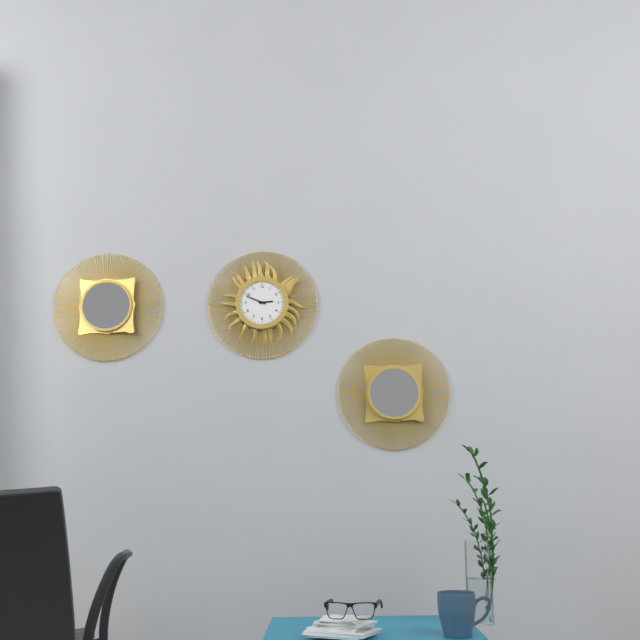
2:49
